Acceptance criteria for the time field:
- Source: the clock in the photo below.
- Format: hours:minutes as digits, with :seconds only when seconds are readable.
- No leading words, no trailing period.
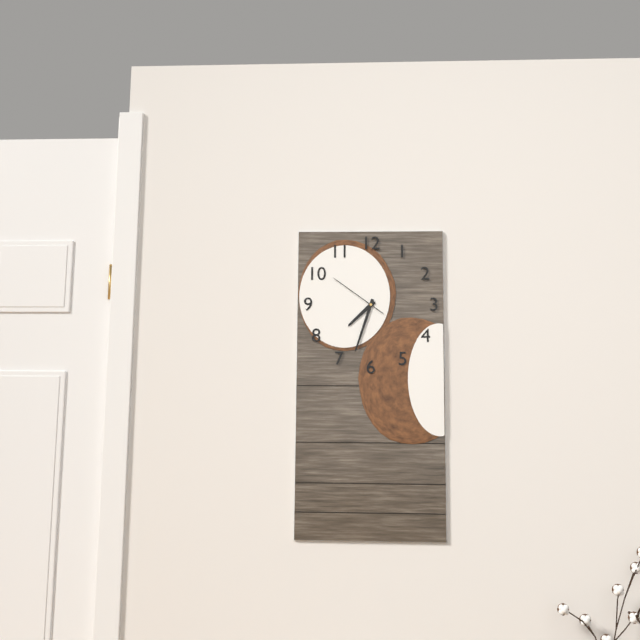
7:33:51
